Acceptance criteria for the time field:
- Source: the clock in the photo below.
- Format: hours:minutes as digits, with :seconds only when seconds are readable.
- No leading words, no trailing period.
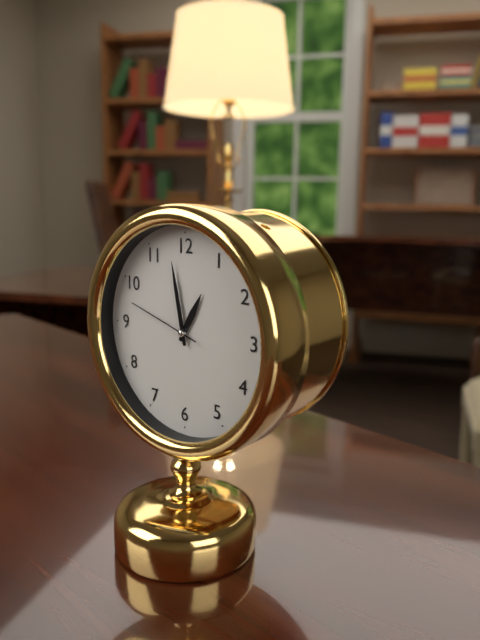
12:58:48
